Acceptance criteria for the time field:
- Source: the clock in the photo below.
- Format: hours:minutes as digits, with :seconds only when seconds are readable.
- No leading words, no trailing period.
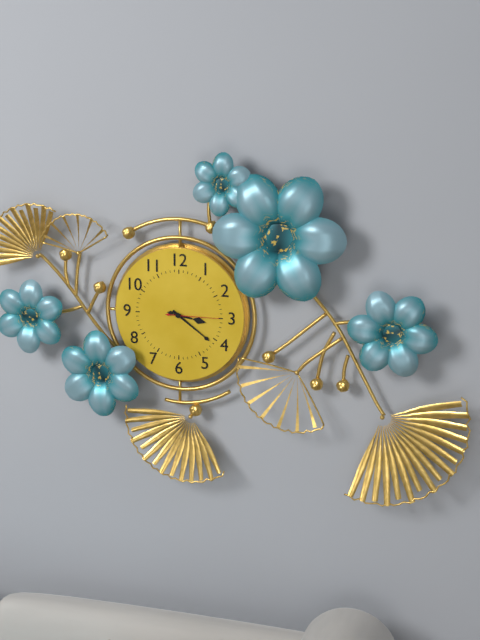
3:21:15
